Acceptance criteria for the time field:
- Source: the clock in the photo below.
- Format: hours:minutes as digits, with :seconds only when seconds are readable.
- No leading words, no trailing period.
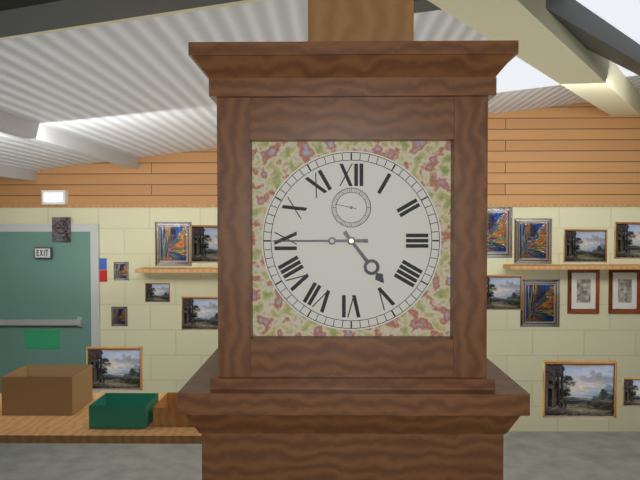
4:45
